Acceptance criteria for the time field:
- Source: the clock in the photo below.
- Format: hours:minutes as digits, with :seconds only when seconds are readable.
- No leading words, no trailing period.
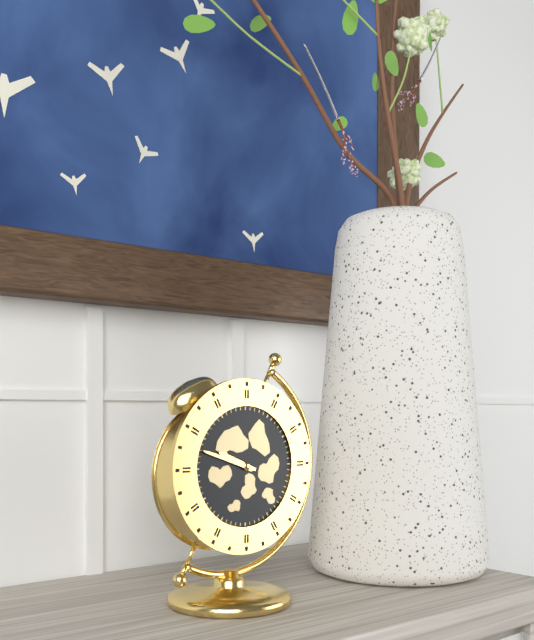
9:48
